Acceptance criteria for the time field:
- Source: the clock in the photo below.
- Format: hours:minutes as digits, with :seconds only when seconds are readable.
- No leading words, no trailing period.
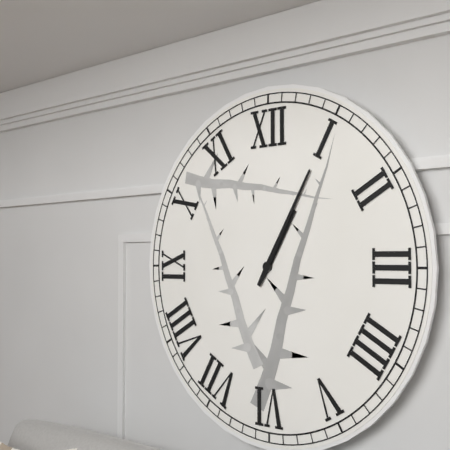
1:05
